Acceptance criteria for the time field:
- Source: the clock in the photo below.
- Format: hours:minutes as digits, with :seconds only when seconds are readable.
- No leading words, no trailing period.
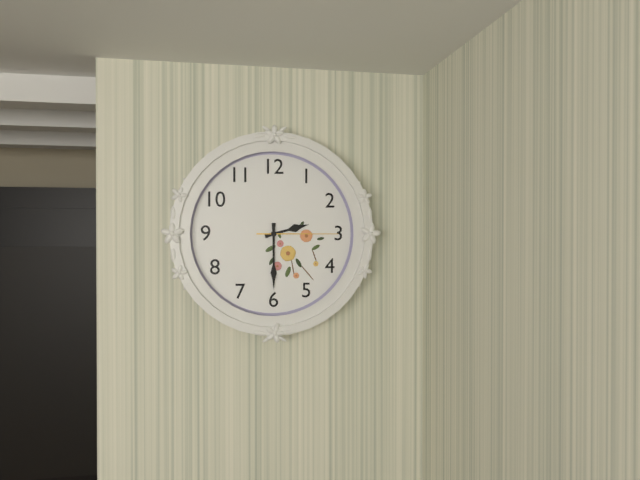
2:30:15
